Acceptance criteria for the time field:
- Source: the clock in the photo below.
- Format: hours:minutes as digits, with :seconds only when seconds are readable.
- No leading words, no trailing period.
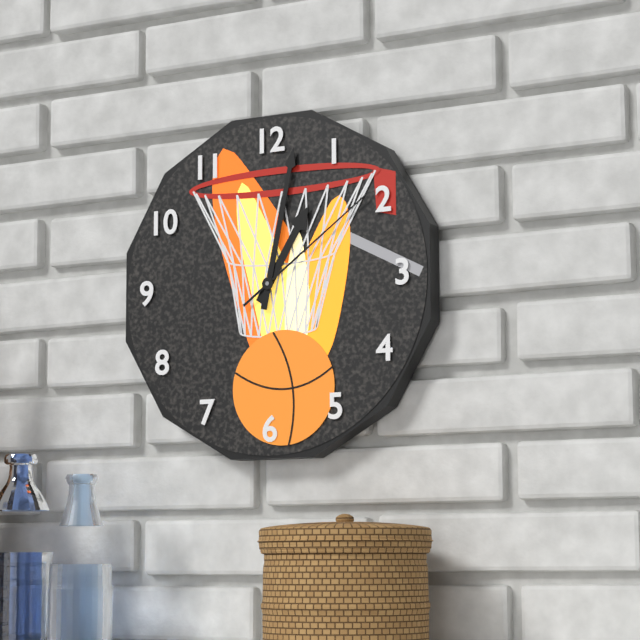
1:02:09
